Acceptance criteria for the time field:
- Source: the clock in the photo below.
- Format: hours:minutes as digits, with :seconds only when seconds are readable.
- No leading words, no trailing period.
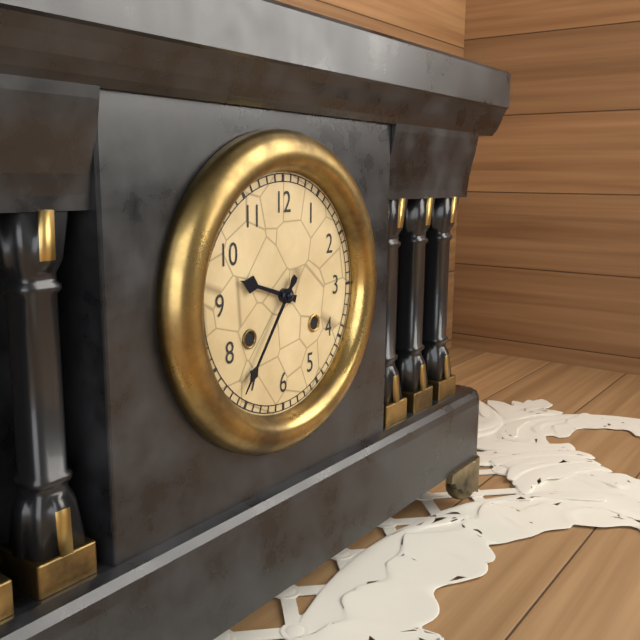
9:36
